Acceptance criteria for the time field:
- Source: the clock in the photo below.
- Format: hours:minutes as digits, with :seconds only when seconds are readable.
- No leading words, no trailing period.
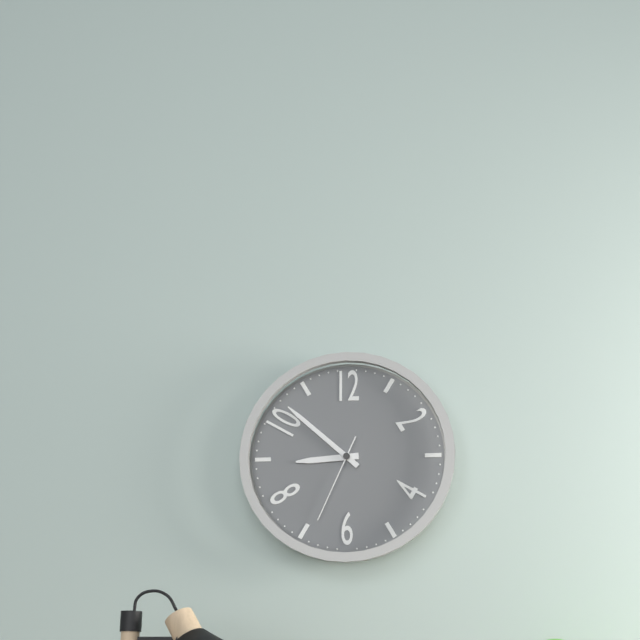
8:52:34
